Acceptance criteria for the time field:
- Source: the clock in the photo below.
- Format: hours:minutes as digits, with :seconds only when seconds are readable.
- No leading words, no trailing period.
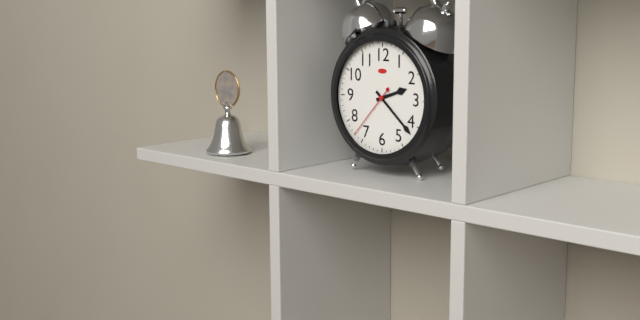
2:22:37
